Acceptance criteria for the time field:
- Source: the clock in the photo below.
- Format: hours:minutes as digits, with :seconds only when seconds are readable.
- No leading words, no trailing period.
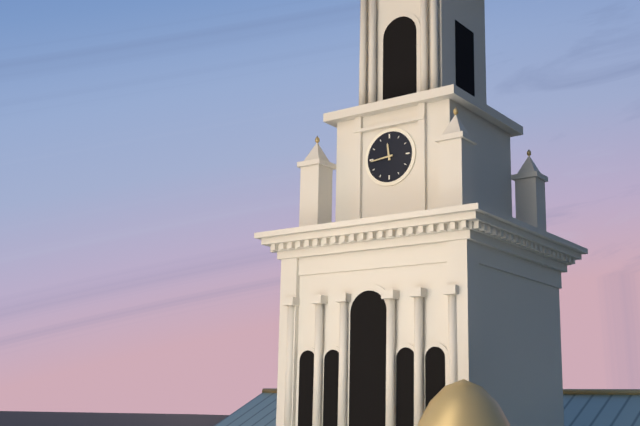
11:44
